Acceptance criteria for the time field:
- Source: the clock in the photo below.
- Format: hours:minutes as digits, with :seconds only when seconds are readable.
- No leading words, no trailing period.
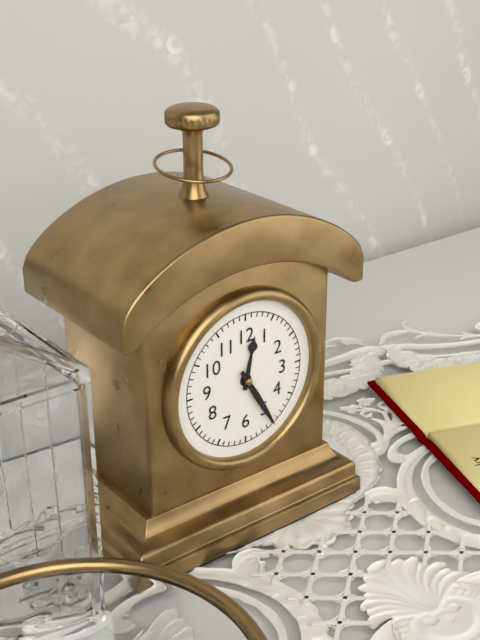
12:25
